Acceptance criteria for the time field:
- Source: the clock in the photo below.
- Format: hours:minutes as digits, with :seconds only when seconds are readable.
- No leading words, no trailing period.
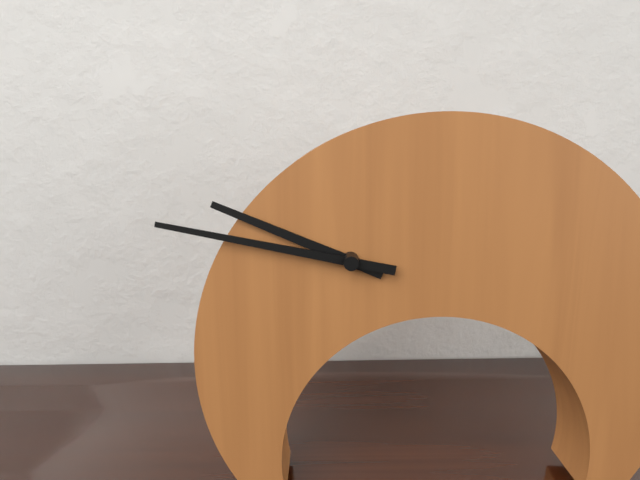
9:47
